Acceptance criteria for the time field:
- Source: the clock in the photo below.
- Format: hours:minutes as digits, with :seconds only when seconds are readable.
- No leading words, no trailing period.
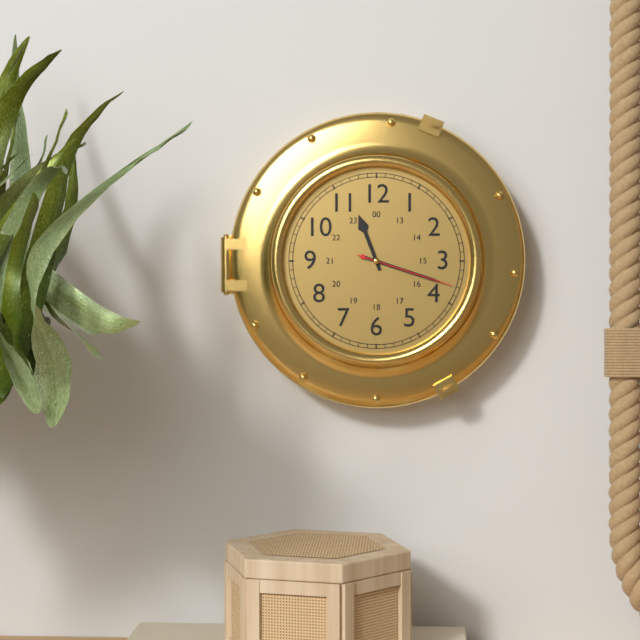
11:18:18
